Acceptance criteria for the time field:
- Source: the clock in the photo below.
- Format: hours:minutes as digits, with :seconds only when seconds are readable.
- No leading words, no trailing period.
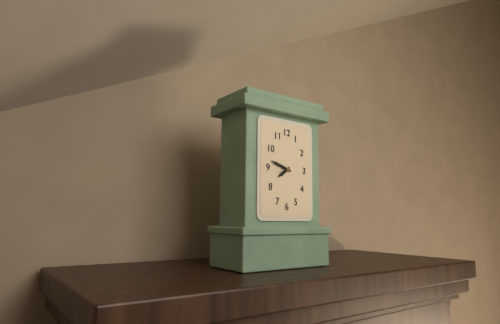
7:48
